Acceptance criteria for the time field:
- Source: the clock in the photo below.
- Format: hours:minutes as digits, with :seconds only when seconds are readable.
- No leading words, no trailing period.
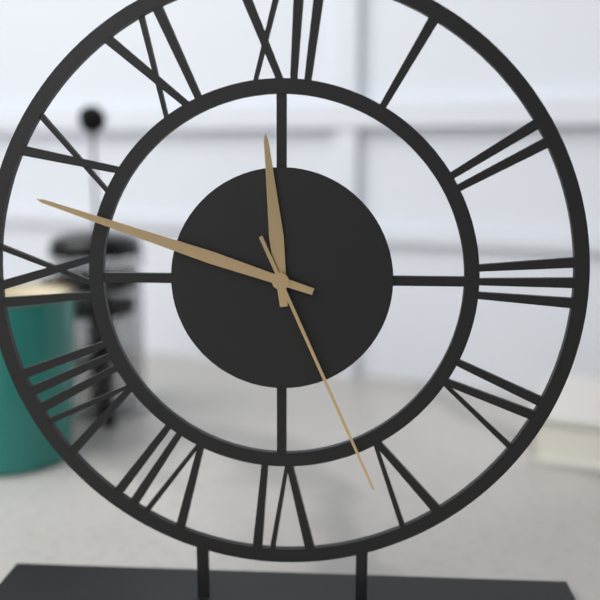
11:48:26
